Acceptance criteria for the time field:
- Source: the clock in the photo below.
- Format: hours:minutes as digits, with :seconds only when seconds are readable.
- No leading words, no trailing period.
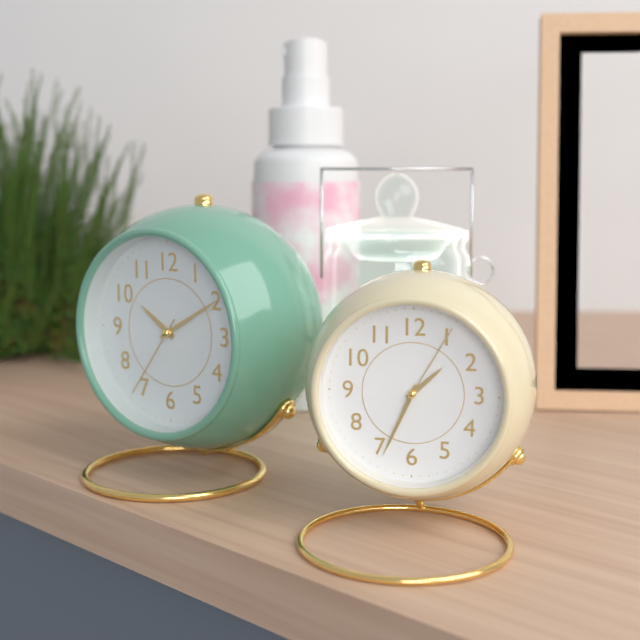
1:34:05
